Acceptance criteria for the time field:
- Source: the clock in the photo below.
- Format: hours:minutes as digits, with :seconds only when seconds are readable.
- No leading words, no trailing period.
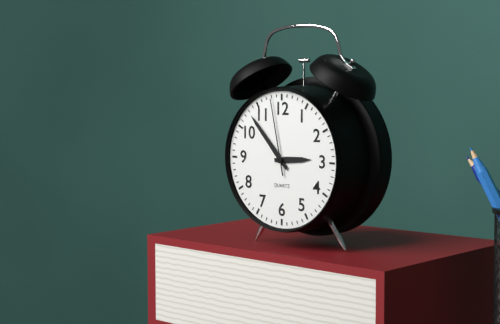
2:53:58
